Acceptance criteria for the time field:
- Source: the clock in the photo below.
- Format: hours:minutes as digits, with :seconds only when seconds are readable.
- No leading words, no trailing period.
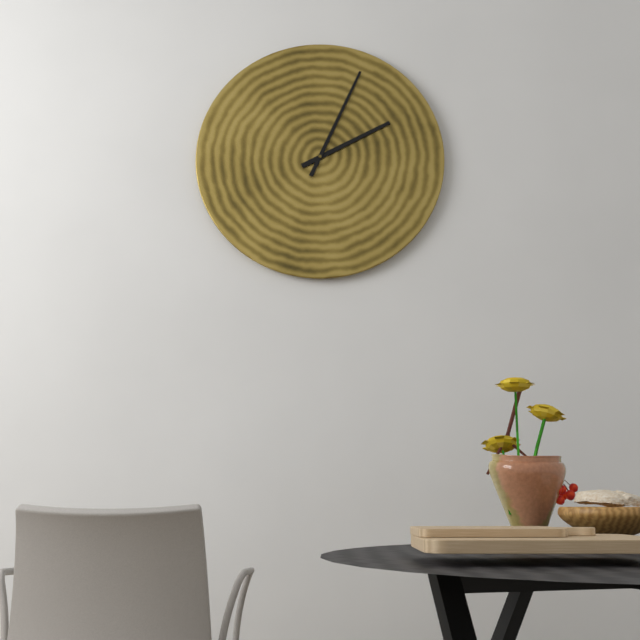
2:04
